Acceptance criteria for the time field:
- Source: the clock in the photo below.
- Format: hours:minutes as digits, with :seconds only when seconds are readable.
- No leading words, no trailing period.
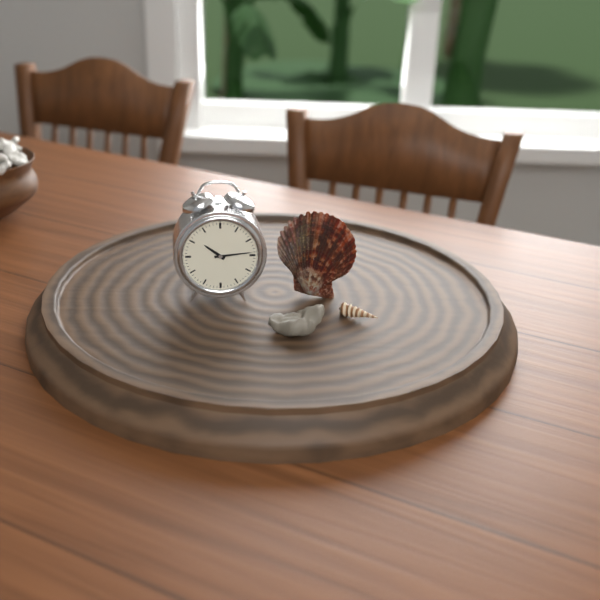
10:14
